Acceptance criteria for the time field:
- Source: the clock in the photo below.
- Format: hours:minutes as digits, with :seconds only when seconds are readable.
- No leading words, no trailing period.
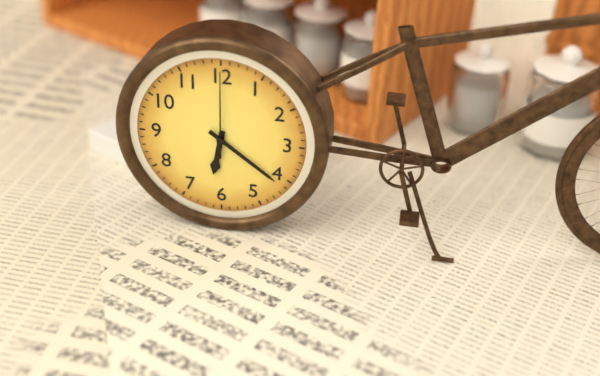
6:21:00
